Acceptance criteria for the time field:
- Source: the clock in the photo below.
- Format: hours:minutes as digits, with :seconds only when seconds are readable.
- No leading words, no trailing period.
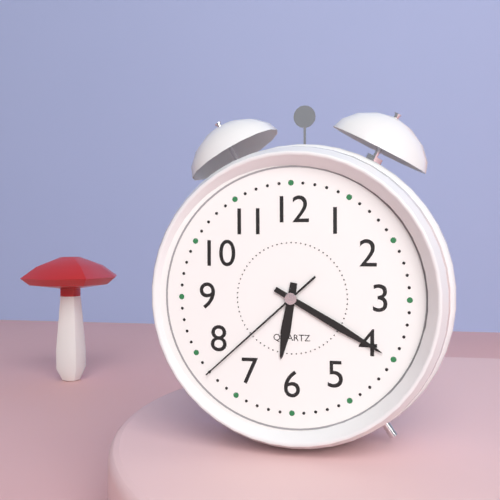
6:20:38
